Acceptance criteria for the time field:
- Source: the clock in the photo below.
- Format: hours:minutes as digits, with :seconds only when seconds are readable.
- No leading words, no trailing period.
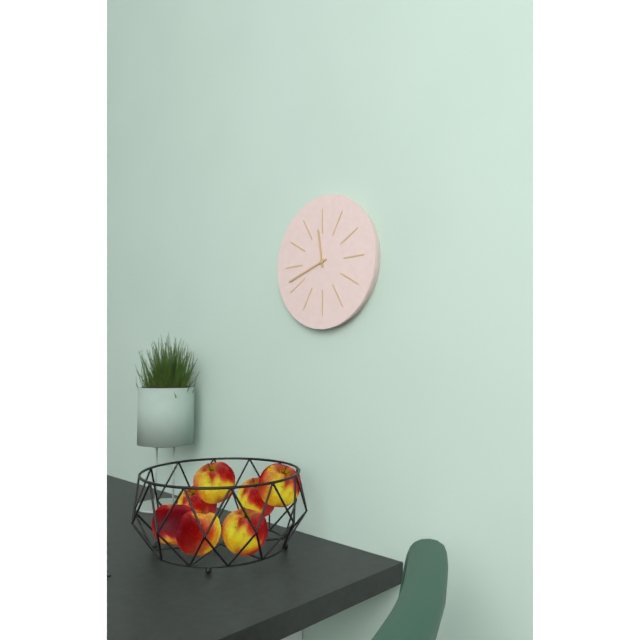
11:42
